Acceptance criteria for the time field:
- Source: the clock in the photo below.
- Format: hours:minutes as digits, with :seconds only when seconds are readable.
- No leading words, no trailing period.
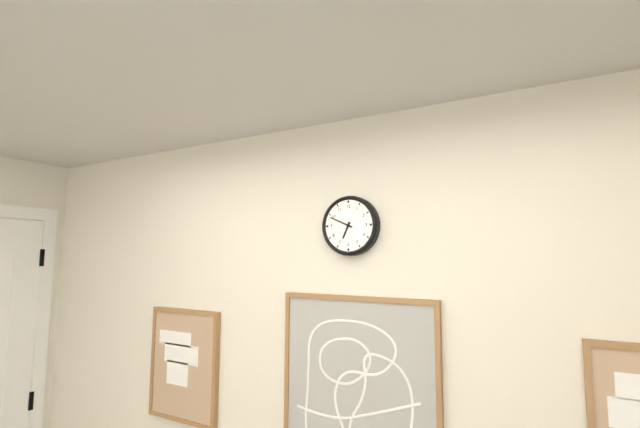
6:49
